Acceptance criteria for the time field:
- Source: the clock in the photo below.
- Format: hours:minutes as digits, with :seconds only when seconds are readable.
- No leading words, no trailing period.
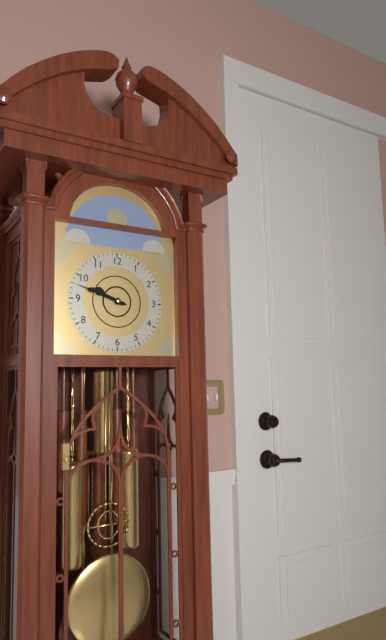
9:48
